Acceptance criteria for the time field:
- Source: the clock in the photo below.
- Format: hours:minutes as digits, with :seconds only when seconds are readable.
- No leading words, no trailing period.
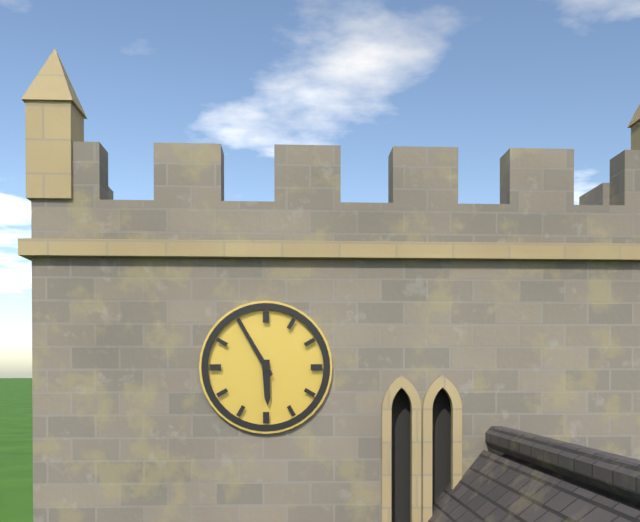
5:55
